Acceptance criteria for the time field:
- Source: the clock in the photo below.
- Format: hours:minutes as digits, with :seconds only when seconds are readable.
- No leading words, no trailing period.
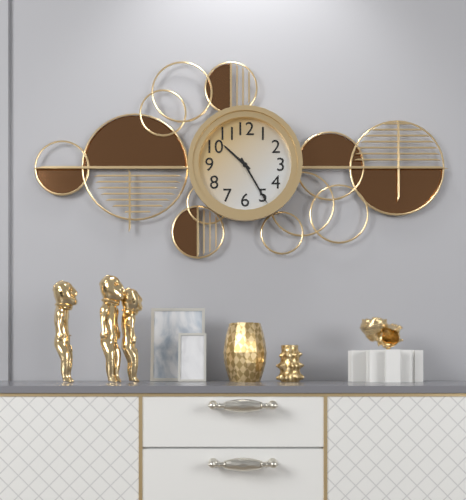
10:25
